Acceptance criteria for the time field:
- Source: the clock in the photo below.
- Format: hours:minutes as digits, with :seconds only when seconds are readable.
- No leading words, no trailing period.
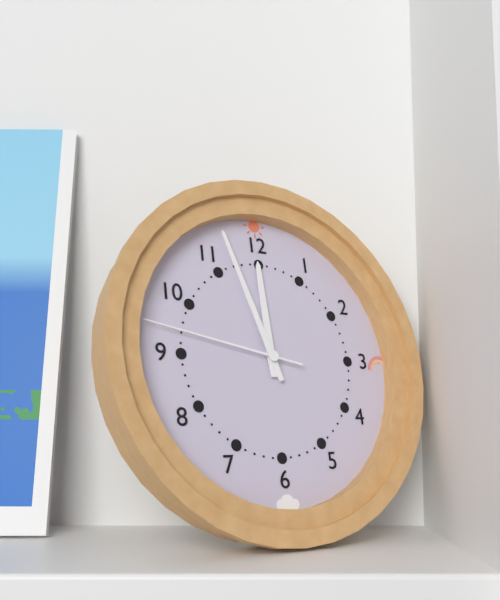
11:57:47
